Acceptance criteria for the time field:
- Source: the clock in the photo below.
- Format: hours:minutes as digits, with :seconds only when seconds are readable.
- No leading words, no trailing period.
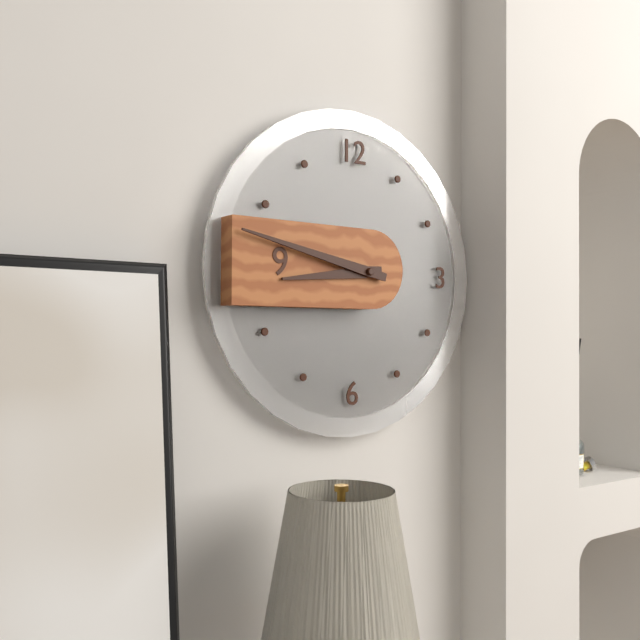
8:47
